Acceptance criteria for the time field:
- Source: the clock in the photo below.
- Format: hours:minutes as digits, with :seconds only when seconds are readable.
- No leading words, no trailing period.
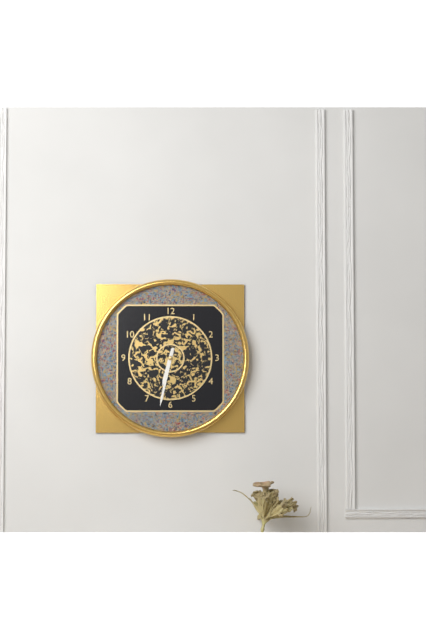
6:32
